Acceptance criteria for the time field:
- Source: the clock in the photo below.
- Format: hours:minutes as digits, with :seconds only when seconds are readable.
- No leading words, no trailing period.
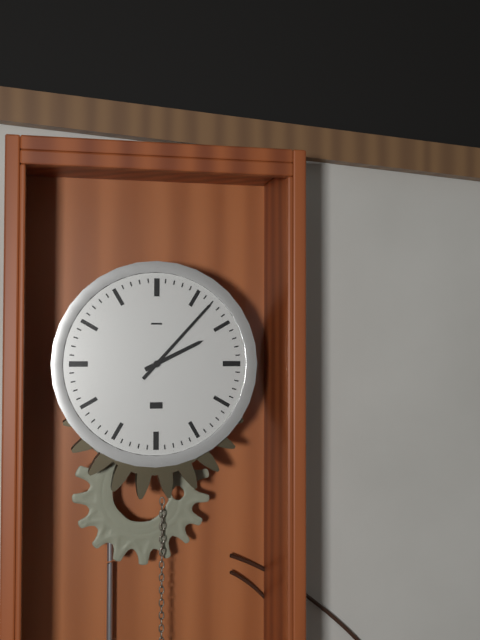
2:07
